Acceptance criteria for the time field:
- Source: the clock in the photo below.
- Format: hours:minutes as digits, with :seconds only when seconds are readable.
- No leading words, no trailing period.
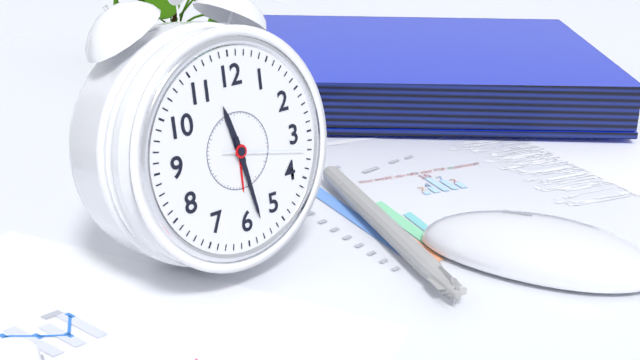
11:28:17
